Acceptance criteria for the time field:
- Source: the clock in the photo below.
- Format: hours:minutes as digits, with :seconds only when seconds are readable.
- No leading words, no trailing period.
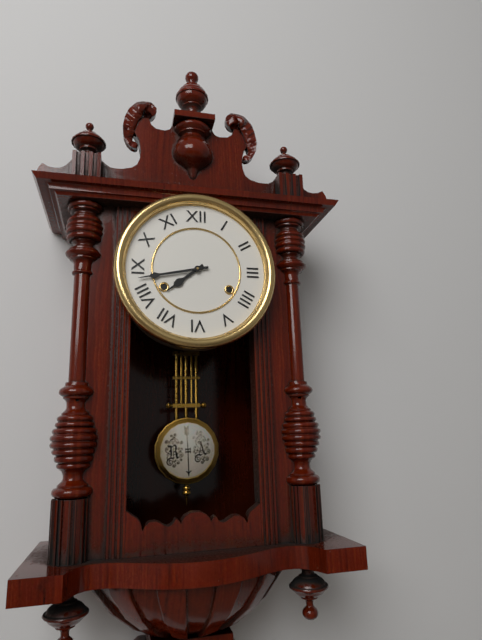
7:43
